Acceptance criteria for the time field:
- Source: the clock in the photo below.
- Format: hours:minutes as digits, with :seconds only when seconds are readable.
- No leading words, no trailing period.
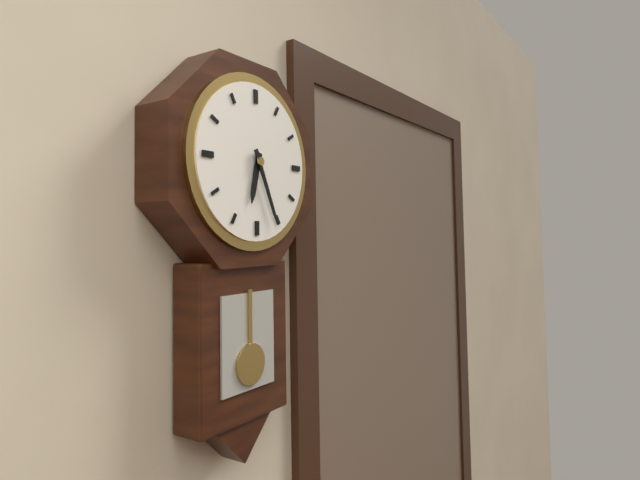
6:26
